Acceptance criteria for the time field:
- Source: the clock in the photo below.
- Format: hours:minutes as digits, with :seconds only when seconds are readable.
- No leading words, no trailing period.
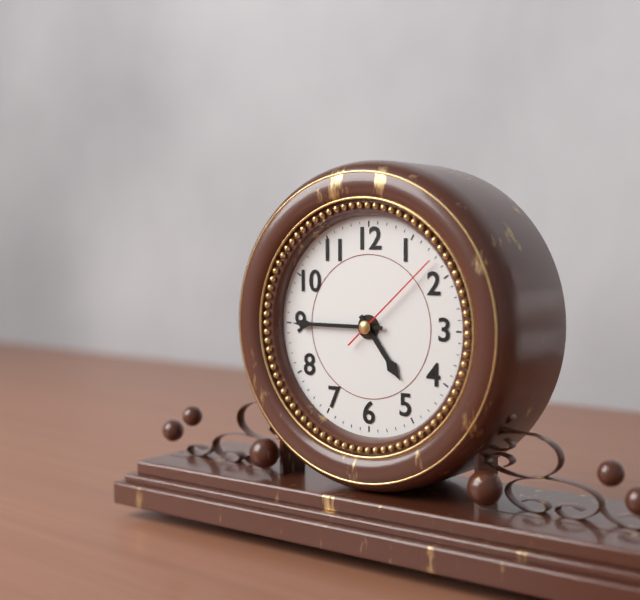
4:45:08
